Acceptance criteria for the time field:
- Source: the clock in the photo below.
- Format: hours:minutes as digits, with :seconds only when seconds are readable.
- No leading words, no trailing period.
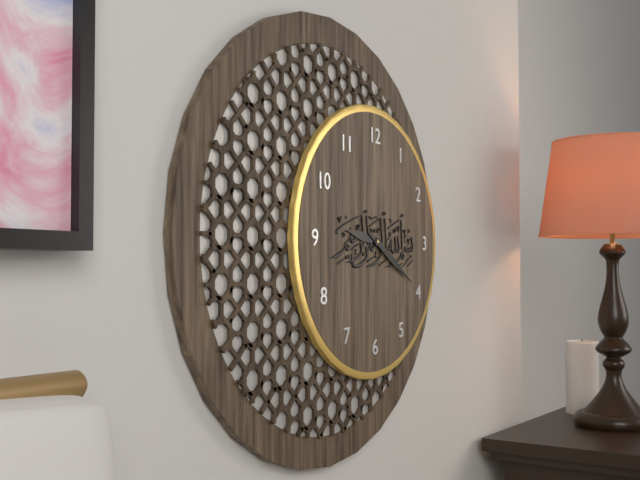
9:20
